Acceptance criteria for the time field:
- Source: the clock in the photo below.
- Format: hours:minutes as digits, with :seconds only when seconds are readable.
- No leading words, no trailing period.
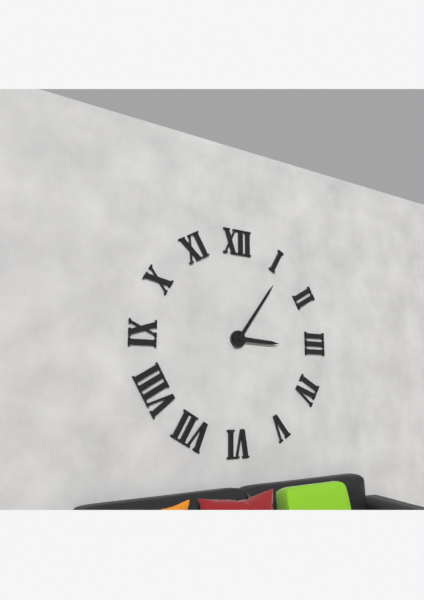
3:06
